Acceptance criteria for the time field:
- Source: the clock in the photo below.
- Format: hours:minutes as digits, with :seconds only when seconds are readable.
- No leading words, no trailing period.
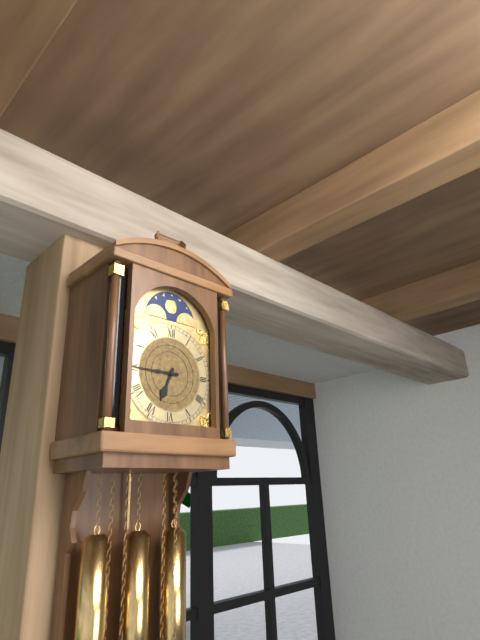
6:45
